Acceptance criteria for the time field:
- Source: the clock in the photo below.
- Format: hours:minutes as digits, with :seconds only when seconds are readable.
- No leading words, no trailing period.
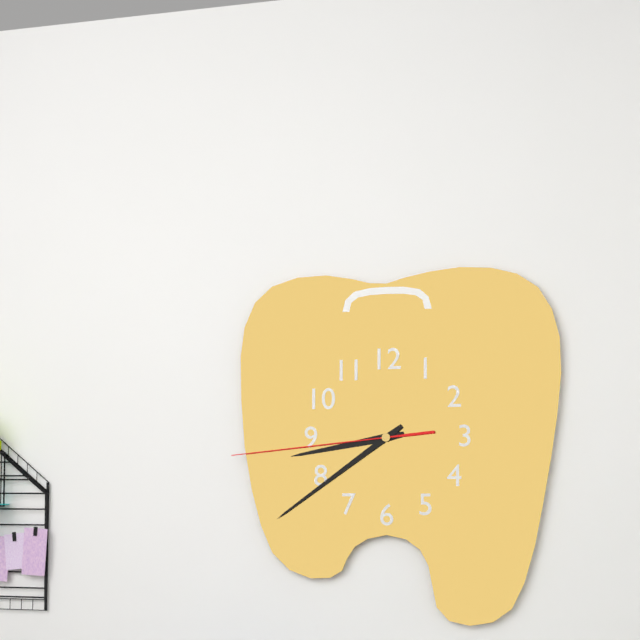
8:39:44
